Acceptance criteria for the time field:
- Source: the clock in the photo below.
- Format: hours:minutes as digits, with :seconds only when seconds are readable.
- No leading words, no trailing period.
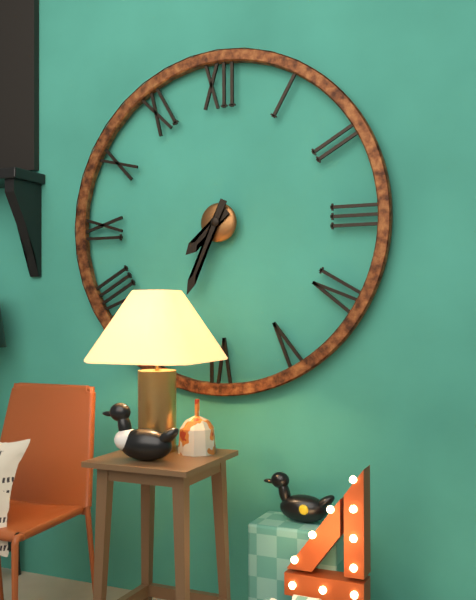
7:34
